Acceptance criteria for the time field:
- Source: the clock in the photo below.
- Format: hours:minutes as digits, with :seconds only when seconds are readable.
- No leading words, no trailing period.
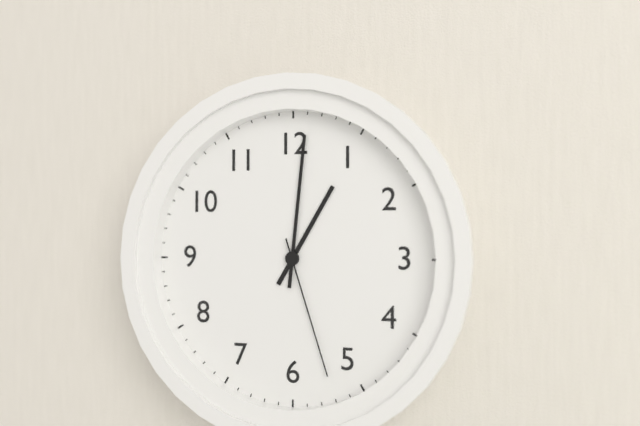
1:01:27
